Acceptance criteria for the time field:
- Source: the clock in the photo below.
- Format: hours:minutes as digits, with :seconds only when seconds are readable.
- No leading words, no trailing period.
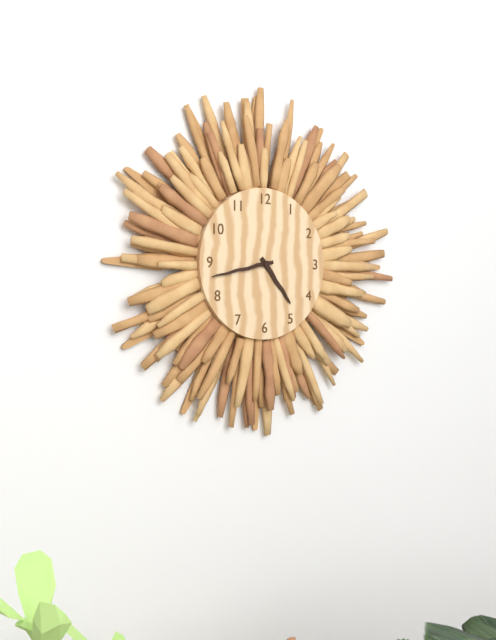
4:43
